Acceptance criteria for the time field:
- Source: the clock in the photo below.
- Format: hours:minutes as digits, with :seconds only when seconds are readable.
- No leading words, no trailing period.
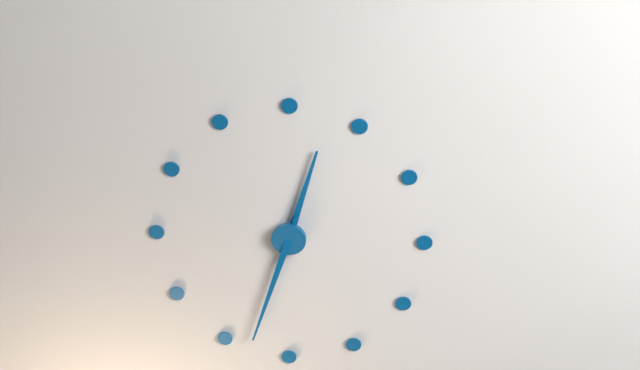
12:33
